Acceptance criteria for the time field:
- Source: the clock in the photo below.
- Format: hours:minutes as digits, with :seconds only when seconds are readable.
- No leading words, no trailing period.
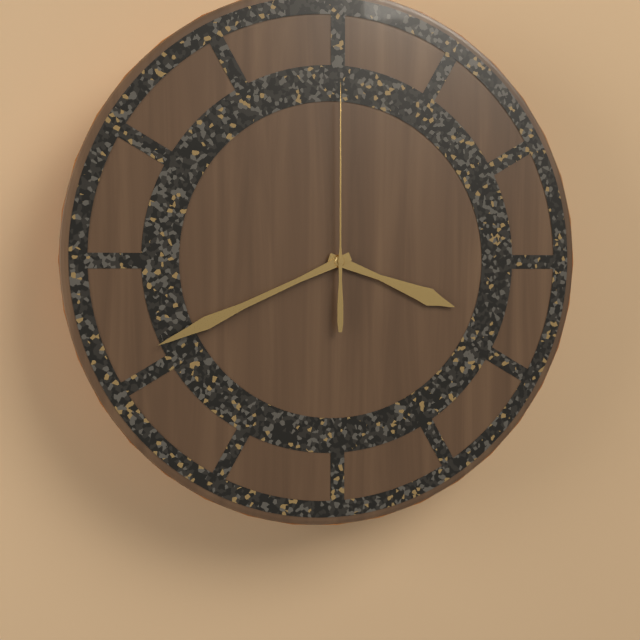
3:41:00
